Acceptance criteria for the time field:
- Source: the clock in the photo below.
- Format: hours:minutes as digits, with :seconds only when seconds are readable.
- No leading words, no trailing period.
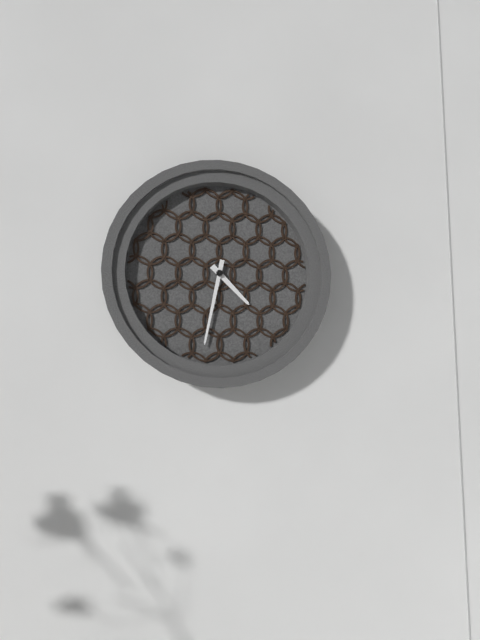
4:32
